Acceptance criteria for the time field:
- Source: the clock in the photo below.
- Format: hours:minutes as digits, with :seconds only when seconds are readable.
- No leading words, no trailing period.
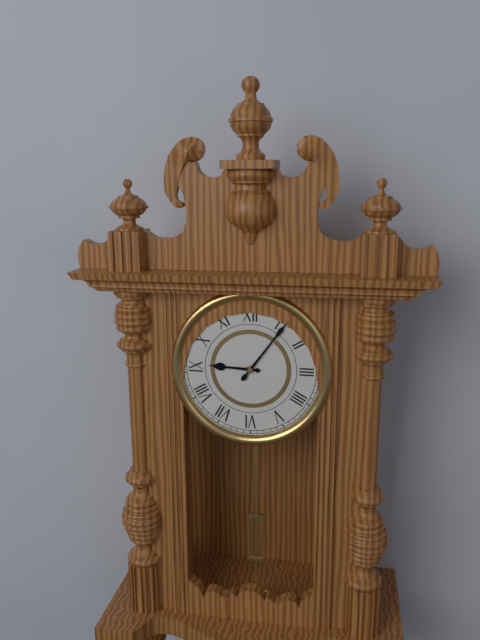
9:06
